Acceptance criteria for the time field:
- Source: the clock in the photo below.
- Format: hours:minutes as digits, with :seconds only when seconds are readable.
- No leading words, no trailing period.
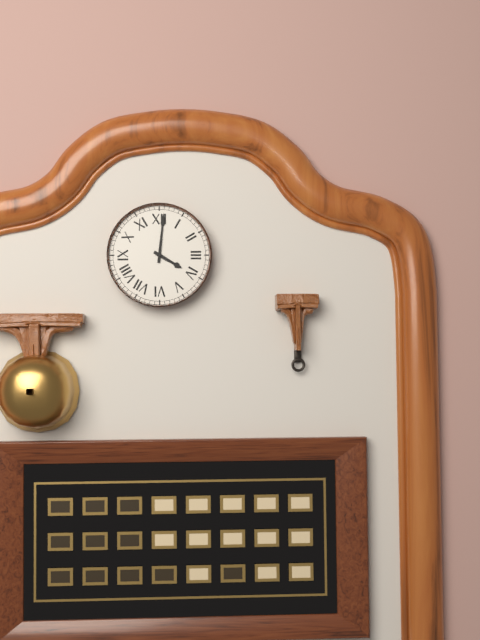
4:01
